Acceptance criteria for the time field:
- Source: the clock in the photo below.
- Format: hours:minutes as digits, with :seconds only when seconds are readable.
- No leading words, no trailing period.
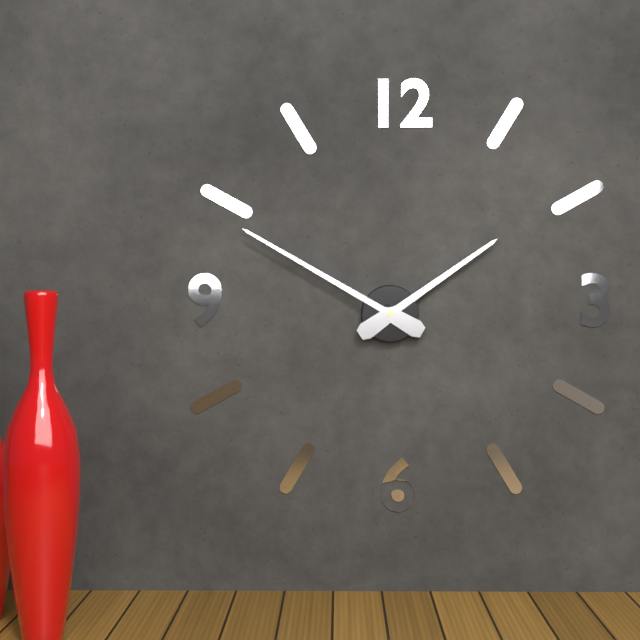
1:50
